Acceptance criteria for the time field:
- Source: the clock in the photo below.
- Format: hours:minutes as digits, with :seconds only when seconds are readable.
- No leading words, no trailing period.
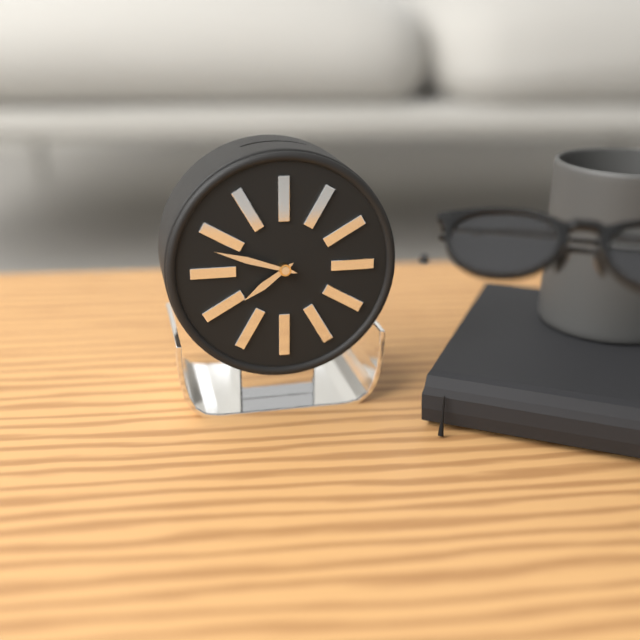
7:48
